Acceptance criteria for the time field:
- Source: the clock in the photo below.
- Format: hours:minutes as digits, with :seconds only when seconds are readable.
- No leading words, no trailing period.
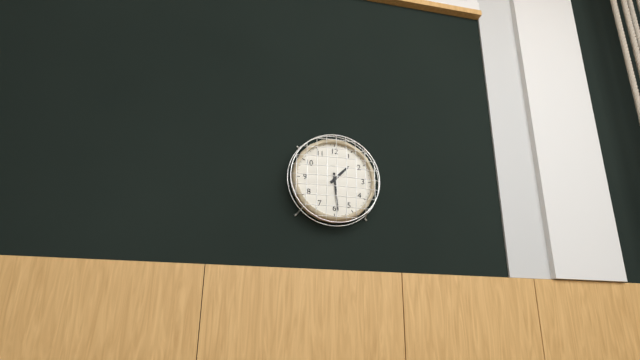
1:29
